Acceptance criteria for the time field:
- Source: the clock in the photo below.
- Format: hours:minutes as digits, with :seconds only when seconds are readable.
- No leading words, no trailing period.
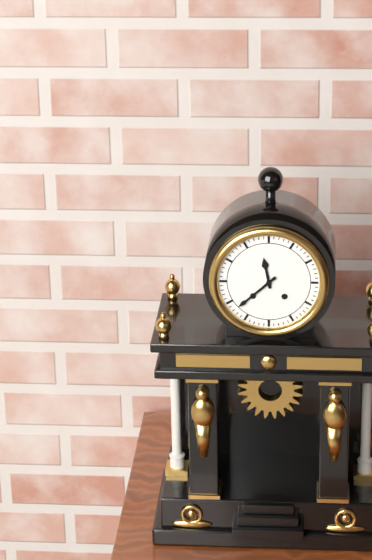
11:38
